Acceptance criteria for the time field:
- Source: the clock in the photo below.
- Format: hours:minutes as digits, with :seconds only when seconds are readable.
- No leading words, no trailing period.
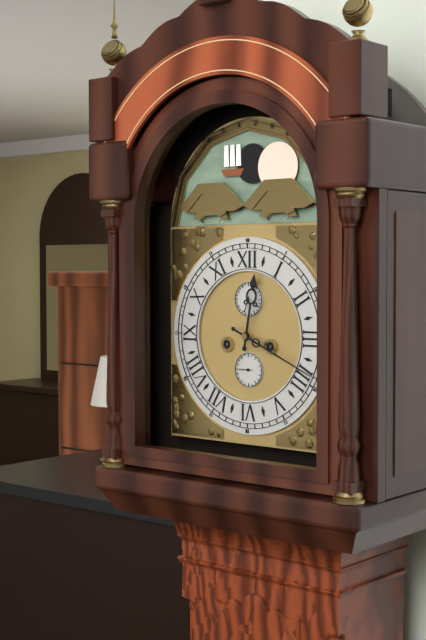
12:19
